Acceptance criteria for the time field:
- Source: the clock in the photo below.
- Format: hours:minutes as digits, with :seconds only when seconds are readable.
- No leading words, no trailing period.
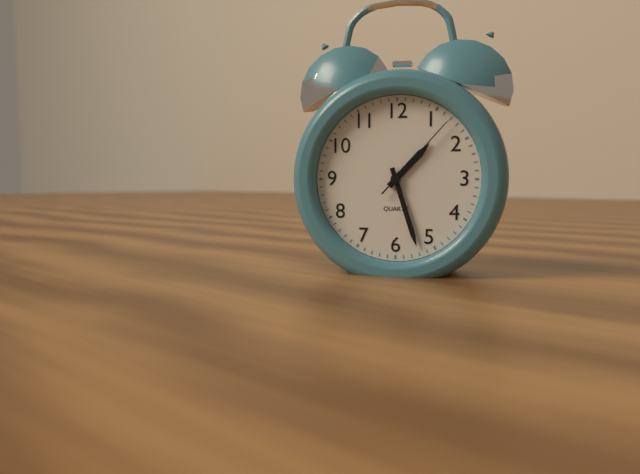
1:27:07
